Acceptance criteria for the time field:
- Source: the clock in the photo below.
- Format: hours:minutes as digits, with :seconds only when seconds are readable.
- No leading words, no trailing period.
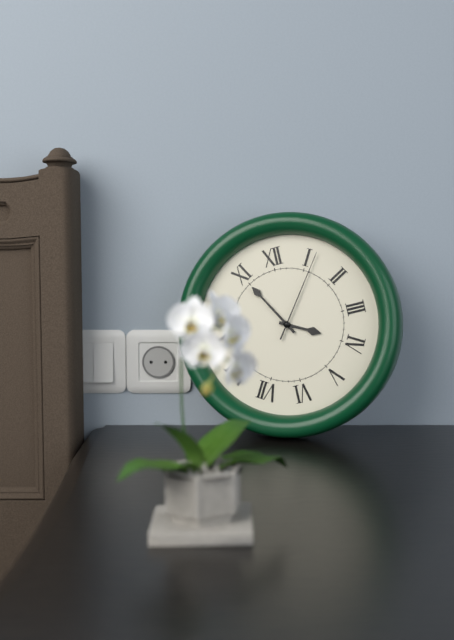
3:55:06
